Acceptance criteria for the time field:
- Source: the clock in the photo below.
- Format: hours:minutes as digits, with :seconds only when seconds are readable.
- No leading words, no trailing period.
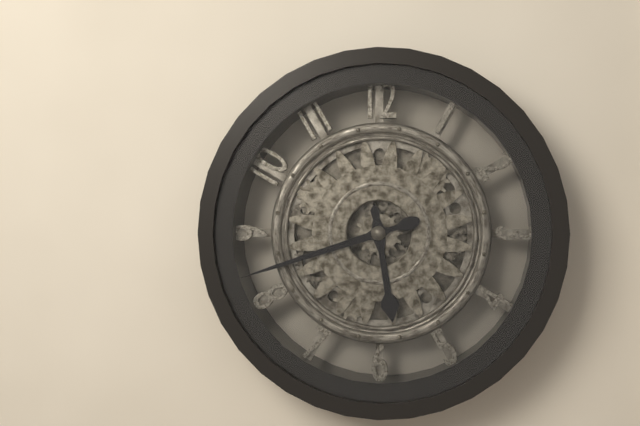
5:42
